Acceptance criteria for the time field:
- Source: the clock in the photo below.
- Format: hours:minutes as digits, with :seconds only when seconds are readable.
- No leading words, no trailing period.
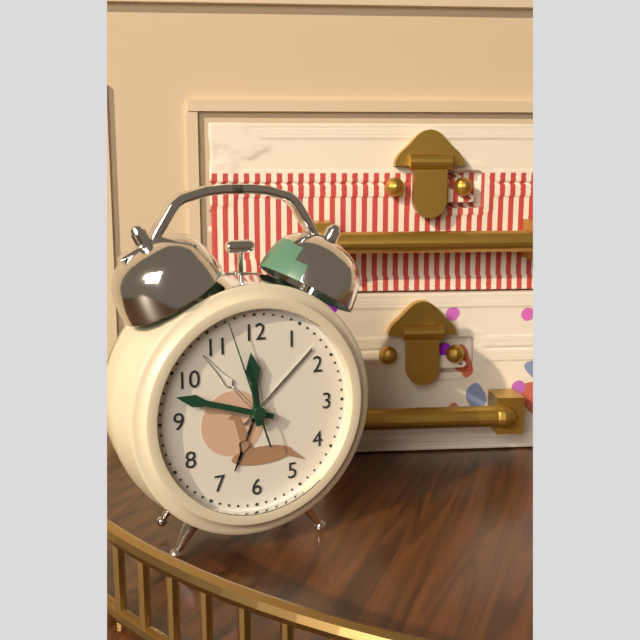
11:48:57
